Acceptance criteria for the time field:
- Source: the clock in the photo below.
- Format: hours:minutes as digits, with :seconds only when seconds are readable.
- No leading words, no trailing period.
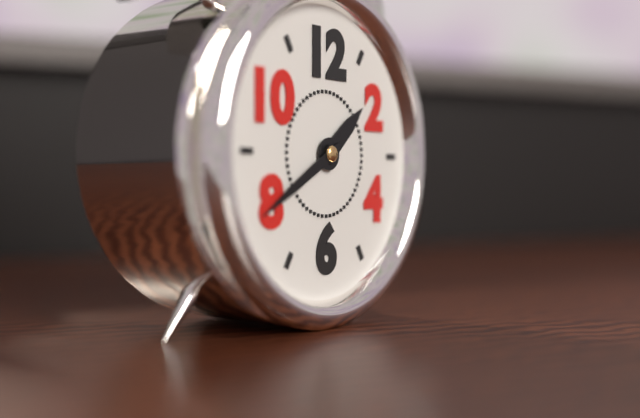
1:40
